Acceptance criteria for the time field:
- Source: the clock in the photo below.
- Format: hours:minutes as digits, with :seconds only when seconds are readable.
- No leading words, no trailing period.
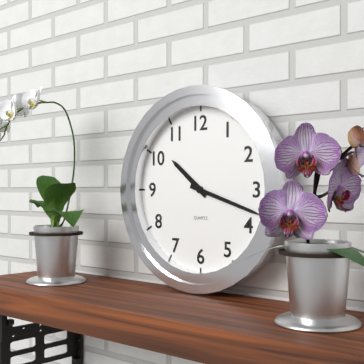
10:18
